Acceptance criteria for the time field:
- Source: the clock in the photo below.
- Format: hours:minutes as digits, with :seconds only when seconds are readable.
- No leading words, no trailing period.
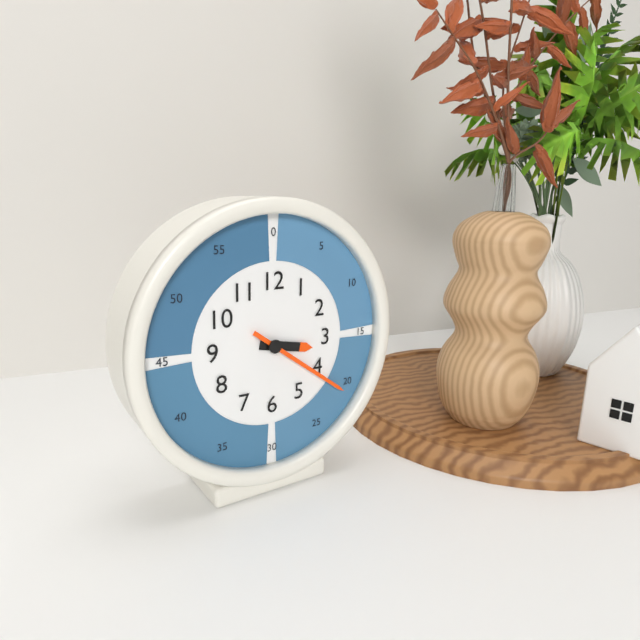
3:21
